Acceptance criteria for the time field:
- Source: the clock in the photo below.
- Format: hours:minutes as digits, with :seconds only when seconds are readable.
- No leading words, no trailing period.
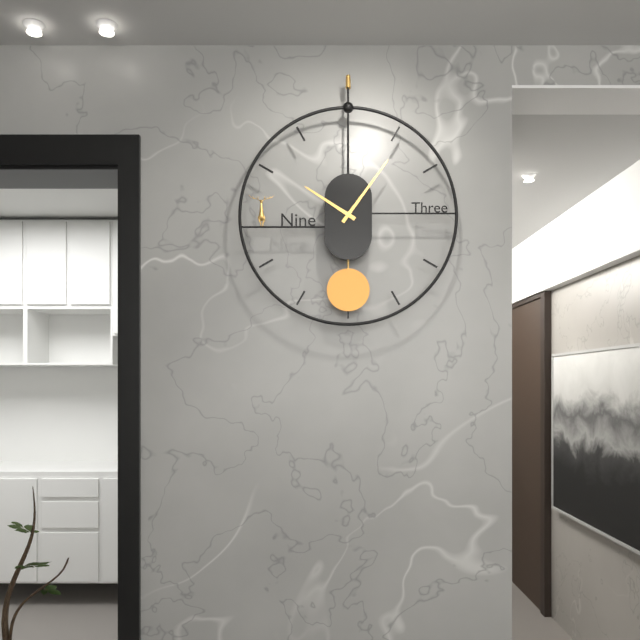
10:06
